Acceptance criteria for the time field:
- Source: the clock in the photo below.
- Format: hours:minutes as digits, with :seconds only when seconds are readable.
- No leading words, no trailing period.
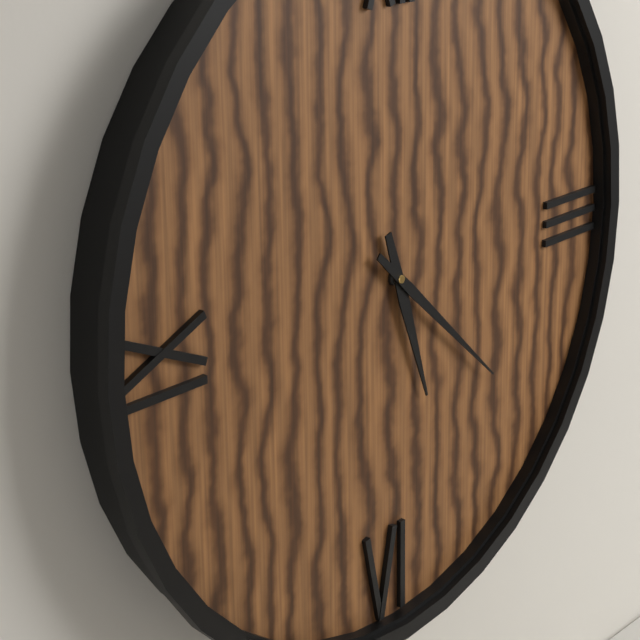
5:22
